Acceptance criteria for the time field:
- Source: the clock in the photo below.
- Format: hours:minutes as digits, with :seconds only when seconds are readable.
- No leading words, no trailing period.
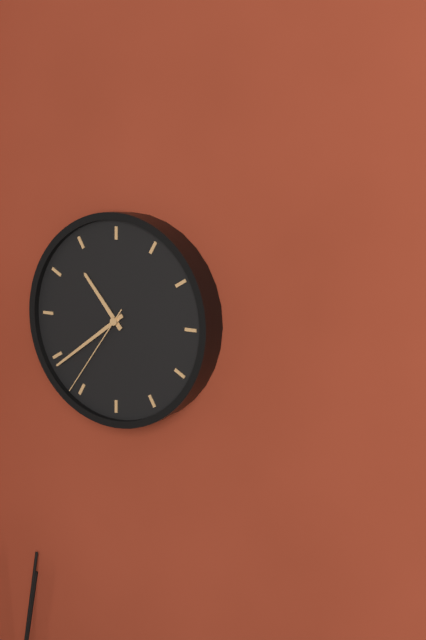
10:39:36
